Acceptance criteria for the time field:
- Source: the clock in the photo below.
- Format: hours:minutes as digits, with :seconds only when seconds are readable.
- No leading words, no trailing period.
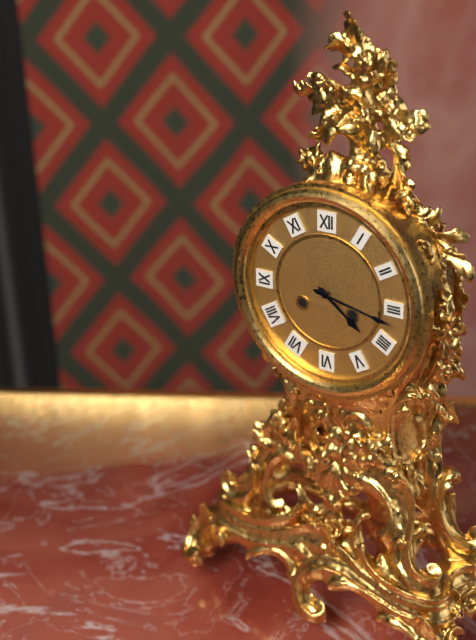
4:17
